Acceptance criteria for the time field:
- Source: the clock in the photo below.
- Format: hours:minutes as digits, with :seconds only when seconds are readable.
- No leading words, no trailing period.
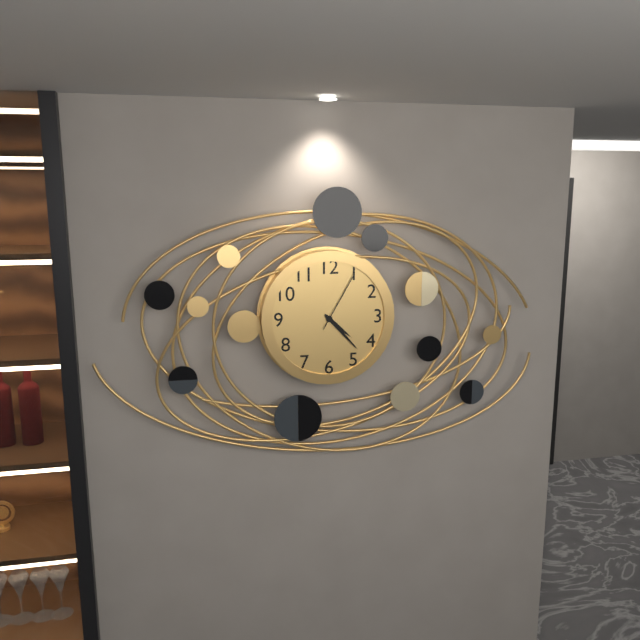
4:23:05
